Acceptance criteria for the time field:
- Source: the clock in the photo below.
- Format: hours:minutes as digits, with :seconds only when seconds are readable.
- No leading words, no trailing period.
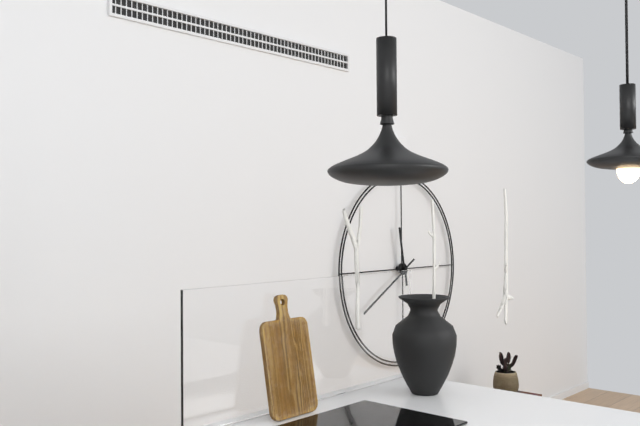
11:40
